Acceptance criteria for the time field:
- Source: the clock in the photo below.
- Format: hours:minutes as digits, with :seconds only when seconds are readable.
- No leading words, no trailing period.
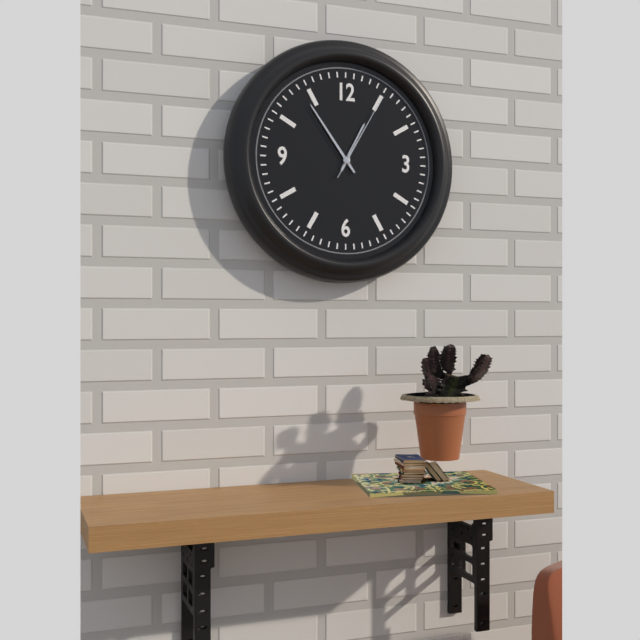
12:54:05
